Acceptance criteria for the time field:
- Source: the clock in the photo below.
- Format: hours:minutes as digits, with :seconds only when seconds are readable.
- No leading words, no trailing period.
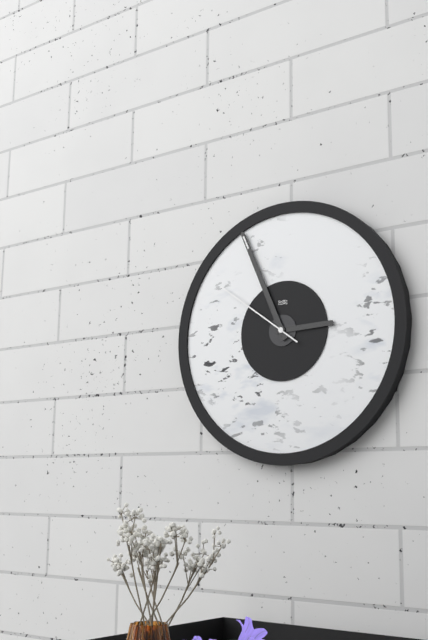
2:56:51
